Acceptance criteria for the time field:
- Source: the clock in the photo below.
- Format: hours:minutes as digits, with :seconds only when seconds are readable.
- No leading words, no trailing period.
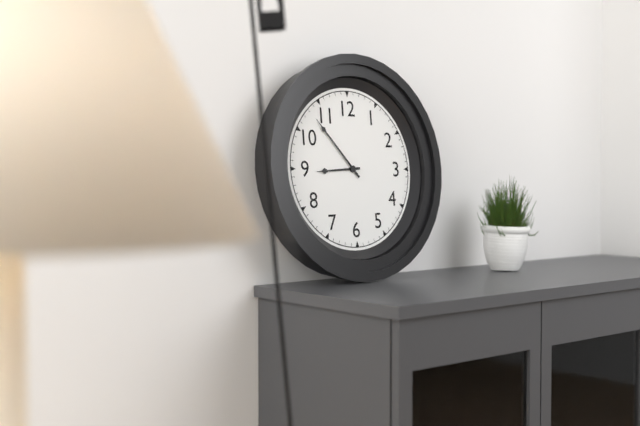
8:53
